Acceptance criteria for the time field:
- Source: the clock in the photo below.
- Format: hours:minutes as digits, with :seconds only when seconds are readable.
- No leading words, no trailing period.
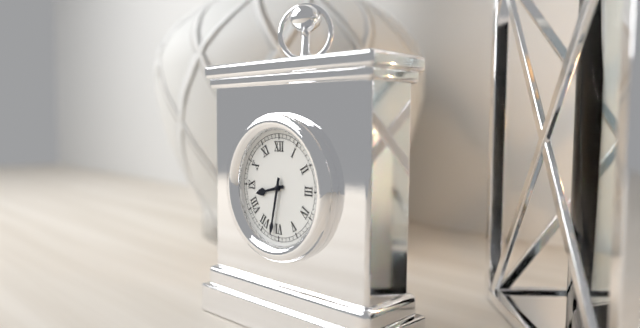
8:32
